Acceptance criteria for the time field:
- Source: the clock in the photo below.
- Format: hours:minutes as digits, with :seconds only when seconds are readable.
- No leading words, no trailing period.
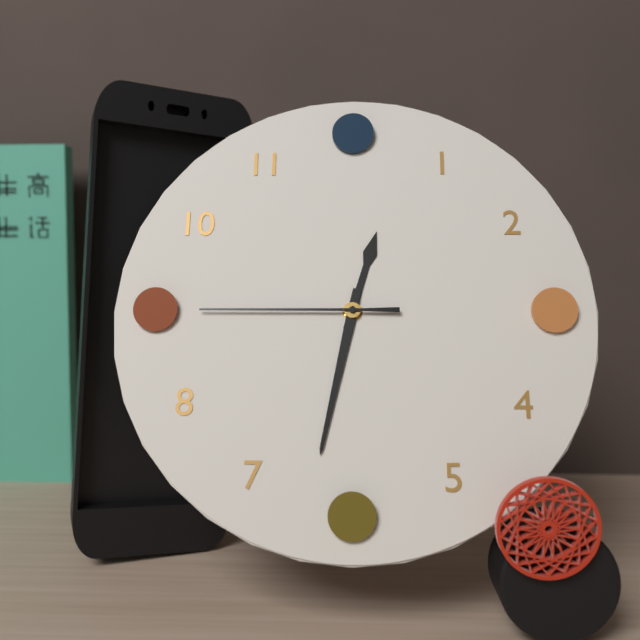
12:32:45
